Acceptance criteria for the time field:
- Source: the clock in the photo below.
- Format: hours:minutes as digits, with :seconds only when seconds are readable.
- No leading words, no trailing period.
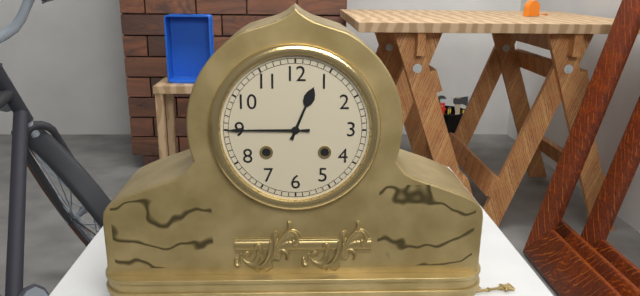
12:45
